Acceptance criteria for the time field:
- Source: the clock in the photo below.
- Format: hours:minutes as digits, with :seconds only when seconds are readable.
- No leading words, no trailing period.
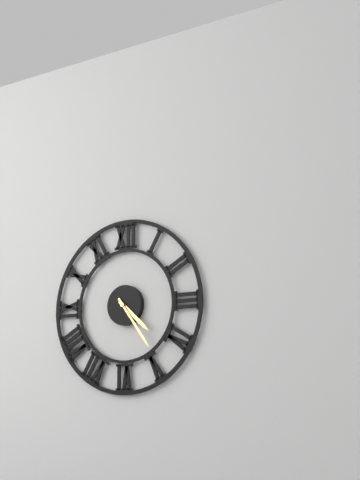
4:24
